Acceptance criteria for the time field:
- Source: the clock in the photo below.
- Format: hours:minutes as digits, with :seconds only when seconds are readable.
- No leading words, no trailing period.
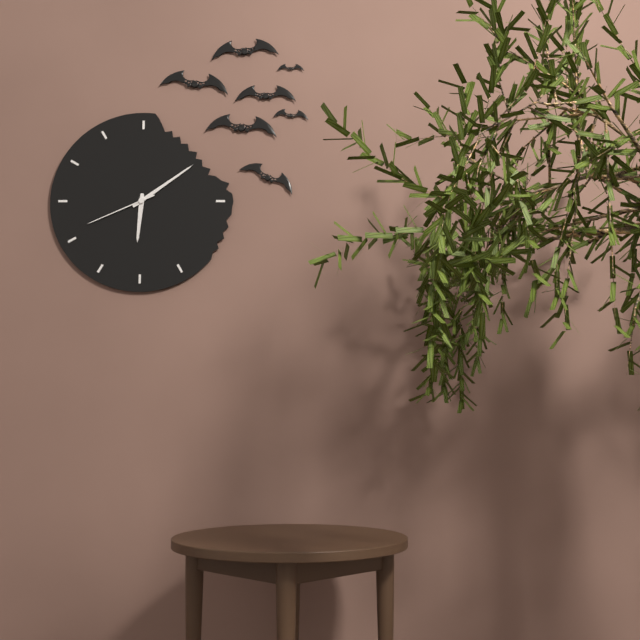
6:09:41
